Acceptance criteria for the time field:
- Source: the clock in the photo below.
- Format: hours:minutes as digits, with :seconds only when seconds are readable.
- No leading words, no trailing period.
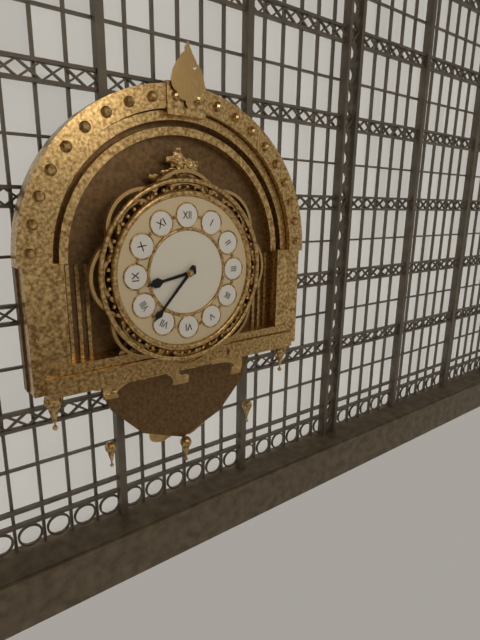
8:37
